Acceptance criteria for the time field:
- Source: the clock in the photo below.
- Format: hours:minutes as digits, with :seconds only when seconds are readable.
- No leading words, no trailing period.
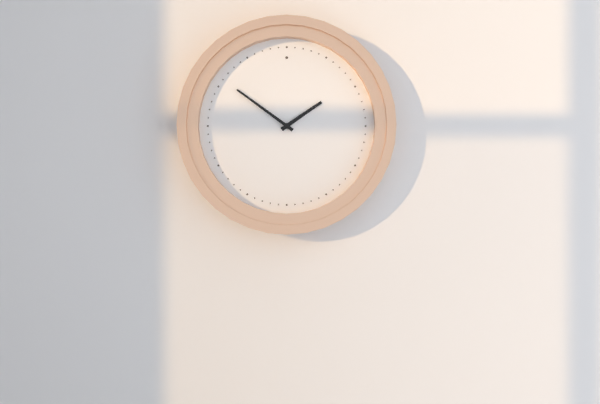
1:51
